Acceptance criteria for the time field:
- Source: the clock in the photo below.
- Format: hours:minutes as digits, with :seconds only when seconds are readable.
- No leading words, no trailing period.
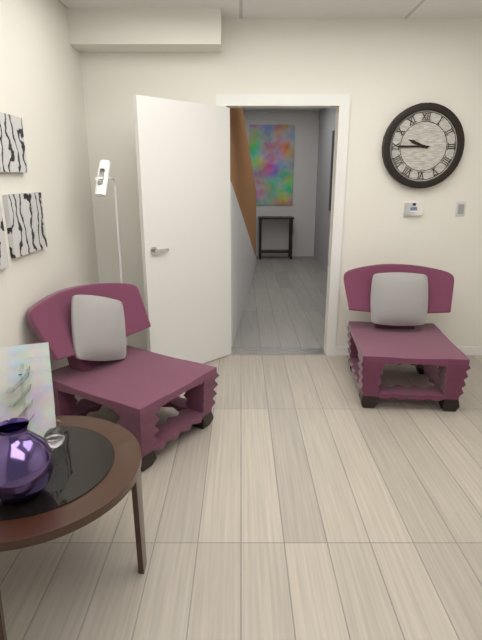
9:45
